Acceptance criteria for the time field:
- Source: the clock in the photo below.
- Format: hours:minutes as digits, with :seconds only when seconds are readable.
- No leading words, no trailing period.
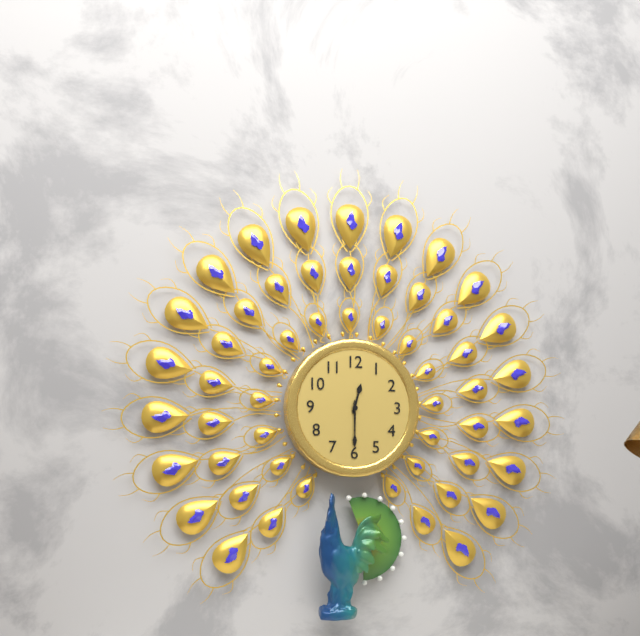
12:30
